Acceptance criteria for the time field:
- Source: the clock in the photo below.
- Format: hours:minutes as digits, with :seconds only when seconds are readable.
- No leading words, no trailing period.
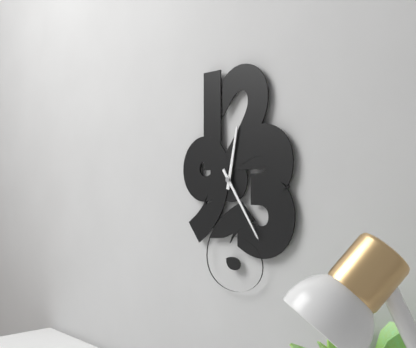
12:24
